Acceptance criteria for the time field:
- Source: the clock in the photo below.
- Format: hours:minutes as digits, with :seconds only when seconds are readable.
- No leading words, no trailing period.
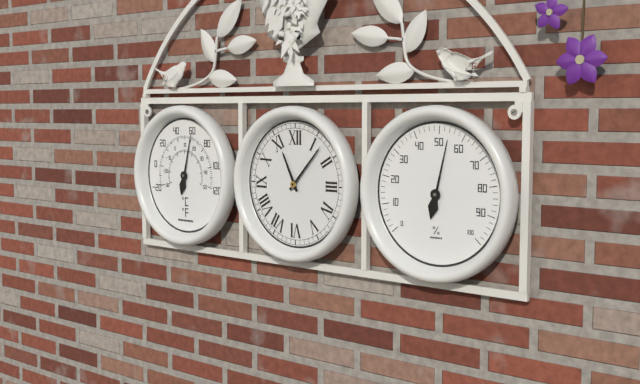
11:07
